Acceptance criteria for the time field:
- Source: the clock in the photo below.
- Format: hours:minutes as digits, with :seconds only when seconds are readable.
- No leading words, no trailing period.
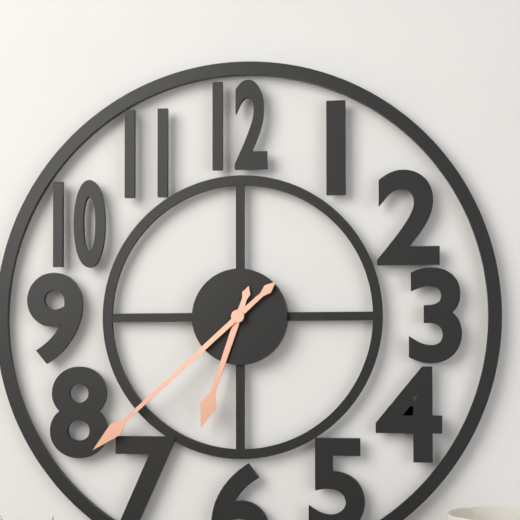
6:38
